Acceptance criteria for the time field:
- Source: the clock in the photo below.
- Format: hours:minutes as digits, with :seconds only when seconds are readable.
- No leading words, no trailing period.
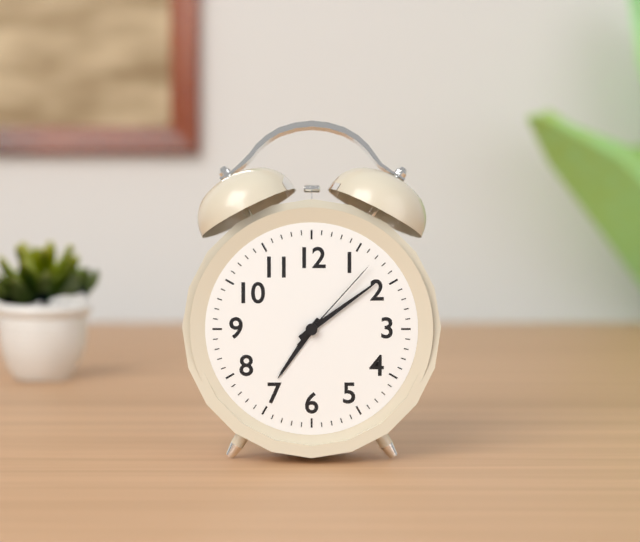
7:09:07
